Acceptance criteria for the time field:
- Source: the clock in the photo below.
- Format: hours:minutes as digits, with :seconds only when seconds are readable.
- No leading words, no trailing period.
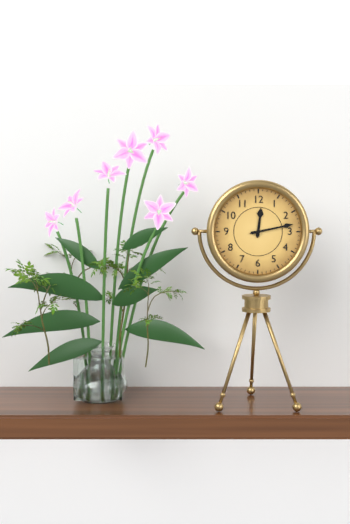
12:13
